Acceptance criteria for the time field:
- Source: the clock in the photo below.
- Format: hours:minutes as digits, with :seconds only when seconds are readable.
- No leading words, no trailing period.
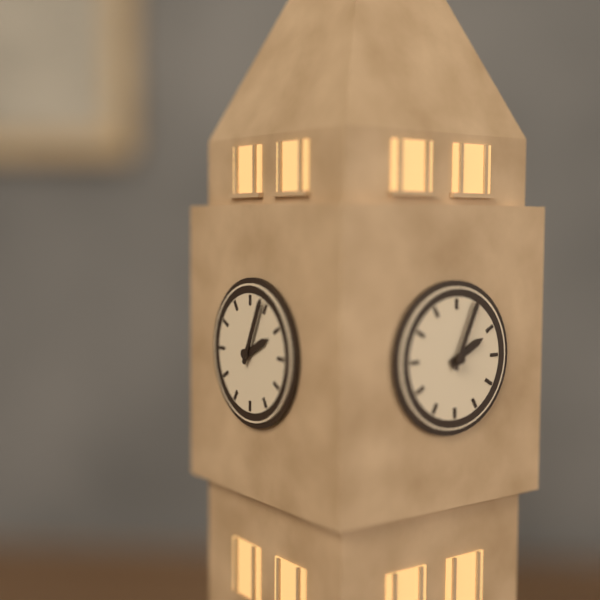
2:04
